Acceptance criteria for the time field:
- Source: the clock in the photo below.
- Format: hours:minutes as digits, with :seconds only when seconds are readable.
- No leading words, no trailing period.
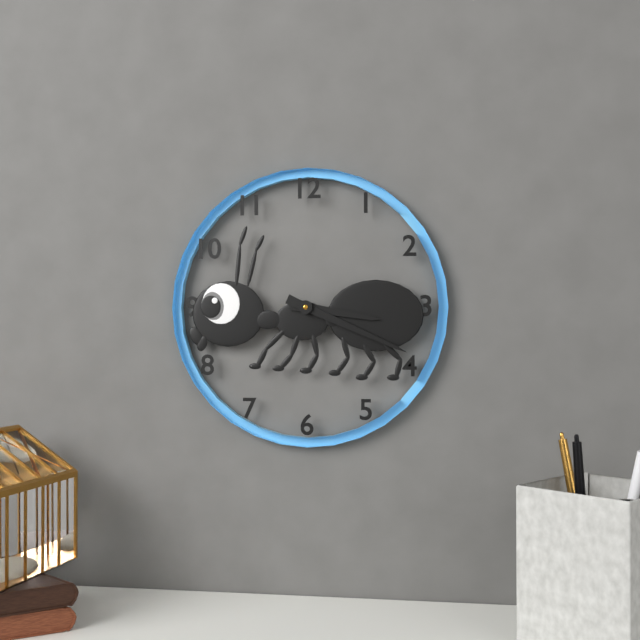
3:19
